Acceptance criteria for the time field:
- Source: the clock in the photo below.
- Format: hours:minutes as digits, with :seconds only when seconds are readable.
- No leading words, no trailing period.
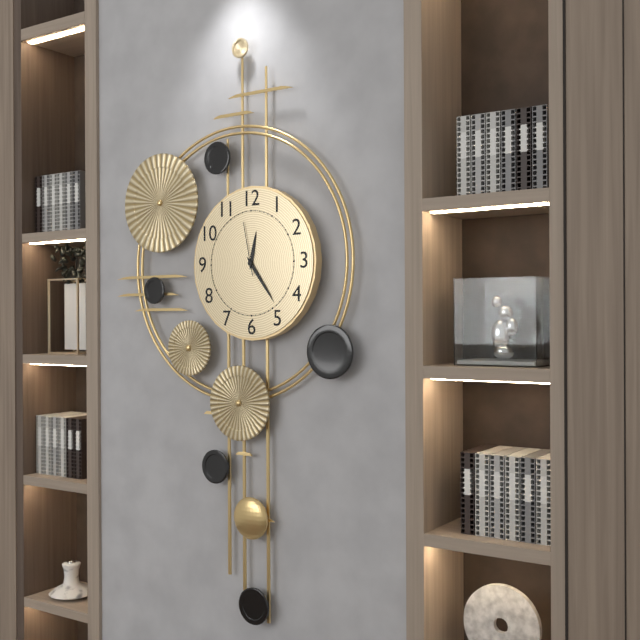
12:24:58
